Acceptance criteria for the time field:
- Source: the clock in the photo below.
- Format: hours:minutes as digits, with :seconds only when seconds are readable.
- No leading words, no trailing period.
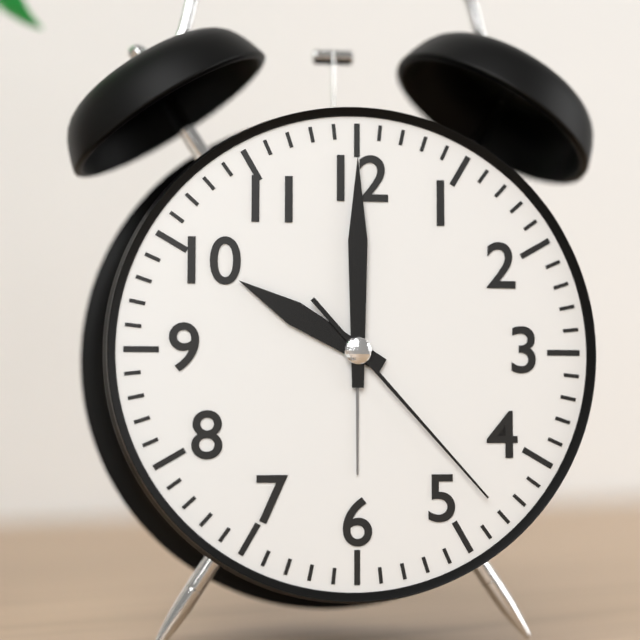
10:00:23
